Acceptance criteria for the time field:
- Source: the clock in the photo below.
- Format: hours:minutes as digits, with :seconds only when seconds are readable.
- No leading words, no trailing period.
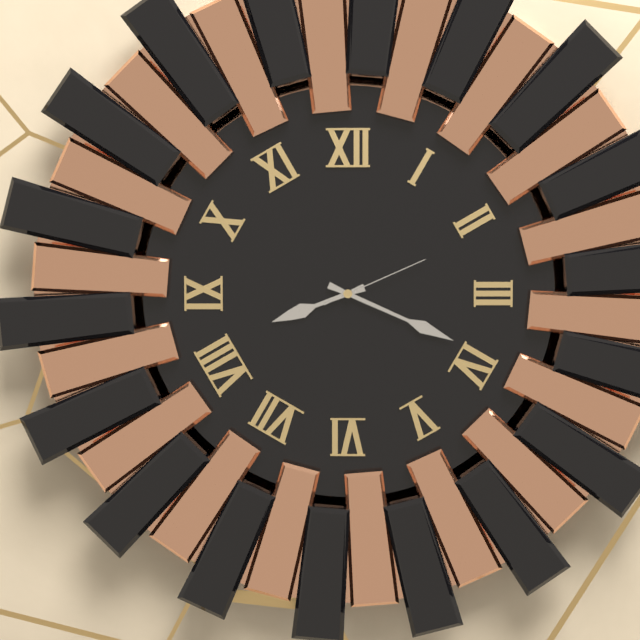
8:19:11
